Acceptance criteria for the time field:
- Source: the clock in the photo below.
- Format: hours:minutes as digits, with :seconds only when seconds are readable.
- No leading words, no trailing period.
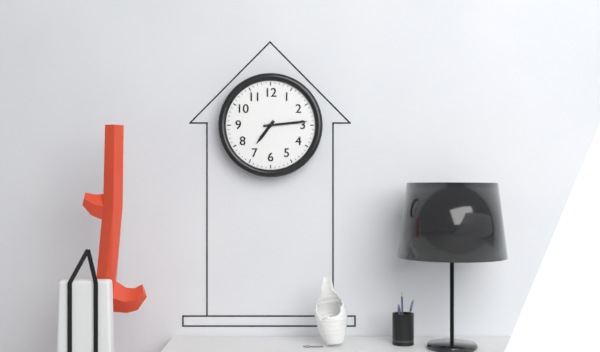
7:14
